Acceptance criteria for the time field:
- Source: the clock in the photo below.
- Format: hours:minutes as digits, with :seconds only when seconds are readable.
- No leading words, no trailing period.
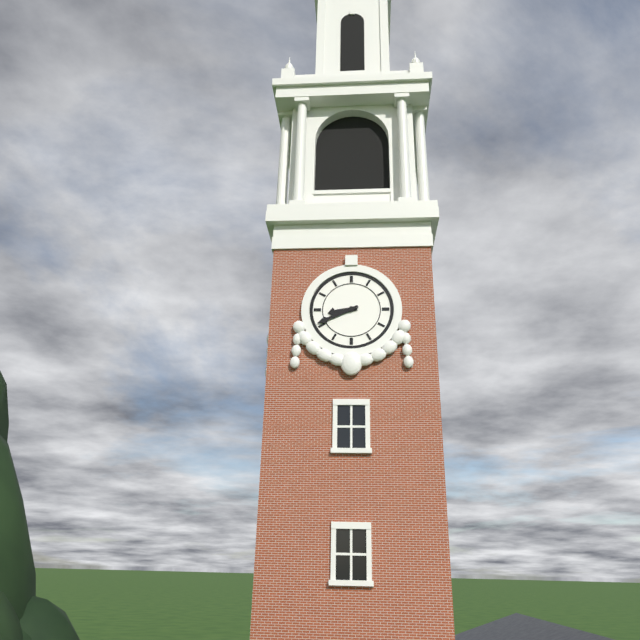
8:41
